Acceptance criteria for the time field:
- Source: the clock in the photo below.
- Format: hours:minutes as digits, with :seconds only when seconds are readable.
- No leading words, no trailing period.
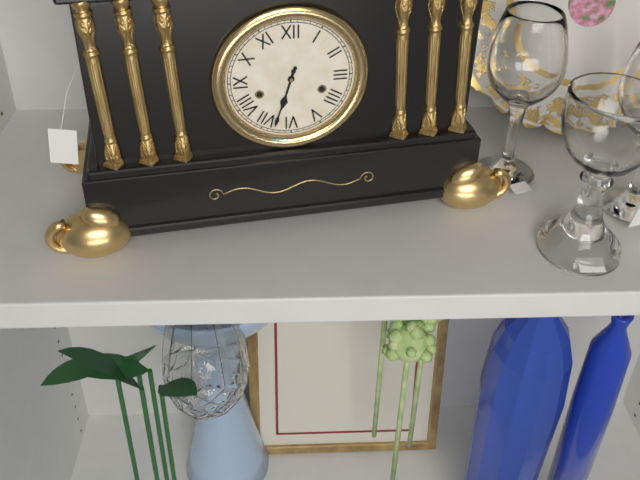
6:33
